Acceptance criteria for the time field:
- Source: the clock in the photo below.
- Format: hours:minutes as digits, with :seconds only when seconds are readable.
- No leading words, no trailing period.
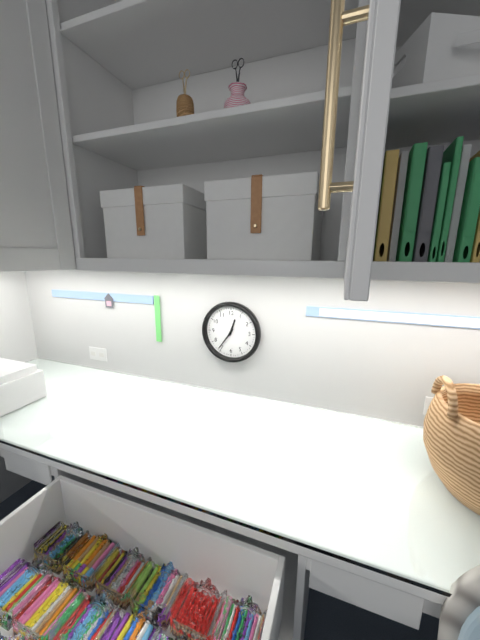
12:36
